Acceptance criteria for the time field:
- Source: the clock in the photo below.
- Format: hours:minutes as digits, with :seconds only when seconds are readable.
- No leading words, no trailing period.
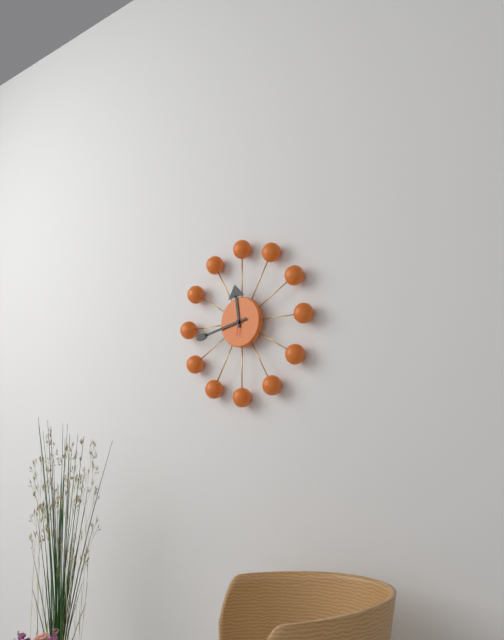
11:43
